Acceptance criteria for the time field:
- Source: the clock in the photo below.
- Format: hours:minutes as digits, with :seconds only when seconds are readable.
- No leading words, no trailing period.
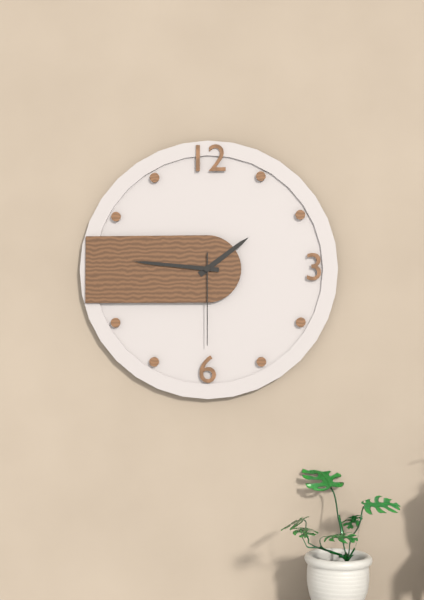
1:46:30
